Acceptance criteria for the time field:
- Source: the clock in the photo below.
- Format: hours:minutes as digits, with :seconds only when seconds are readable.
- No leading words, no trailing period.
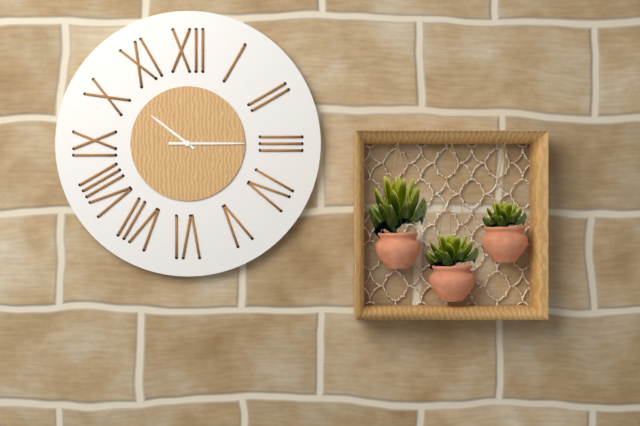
10:15
